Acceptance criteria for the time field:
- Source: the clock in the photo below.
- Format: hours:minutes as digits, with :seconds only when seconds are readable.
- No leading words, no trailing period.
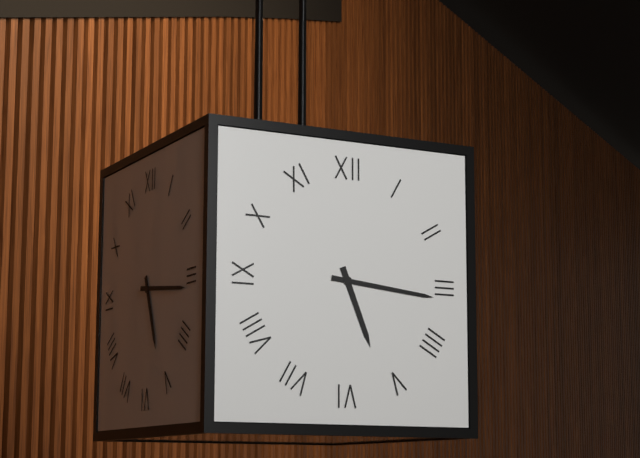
5:16
